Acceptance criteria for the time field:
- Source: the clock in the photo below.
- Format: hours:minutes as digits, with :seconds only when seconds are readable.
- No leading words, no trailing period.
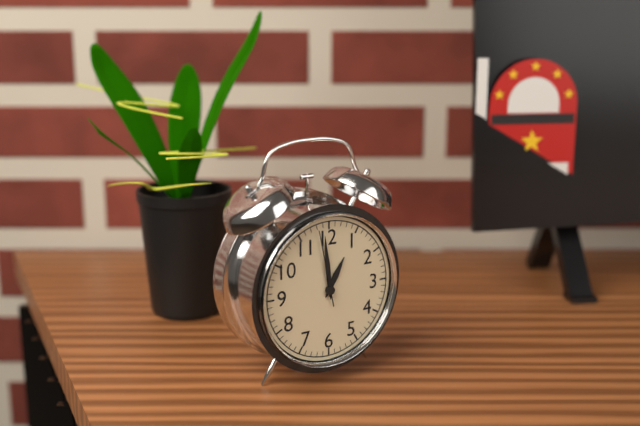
12:59:58
